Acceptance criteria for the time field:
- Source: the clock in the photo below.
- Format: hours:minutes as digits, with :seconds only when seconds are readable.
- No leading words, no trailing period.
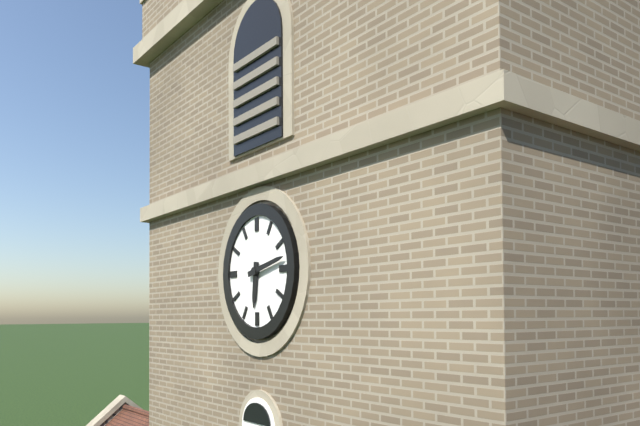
6:13
